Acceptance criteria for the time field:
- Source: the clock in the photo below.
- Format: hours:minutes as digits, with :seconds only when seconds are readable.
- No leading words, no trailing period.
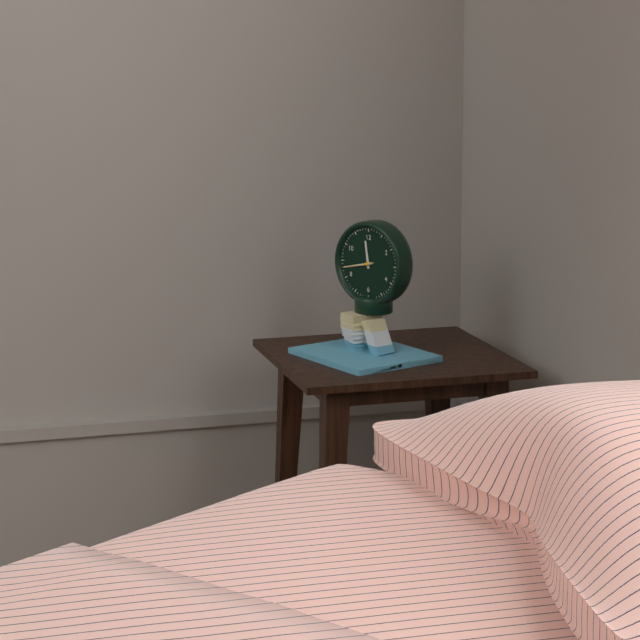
11:43
